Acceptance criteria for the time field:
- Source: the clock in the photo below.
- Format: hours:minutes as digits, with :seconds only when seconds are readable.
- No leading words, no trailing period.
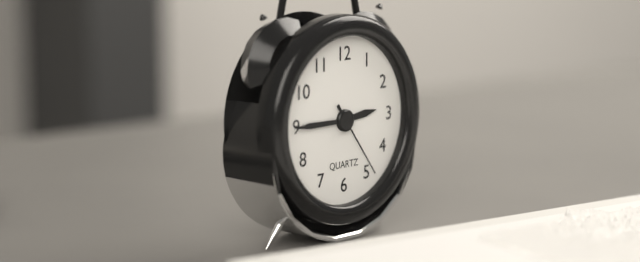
2:45:24
